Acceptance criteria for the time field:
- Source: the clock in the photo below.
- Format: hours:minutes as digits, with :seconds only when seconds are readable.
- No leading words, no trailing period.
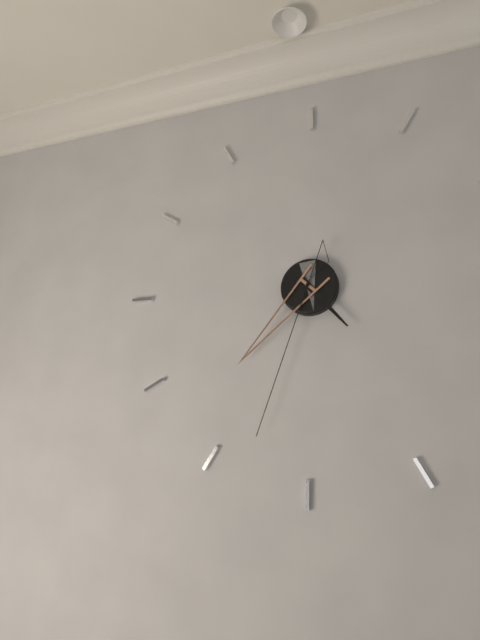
4:37:33
